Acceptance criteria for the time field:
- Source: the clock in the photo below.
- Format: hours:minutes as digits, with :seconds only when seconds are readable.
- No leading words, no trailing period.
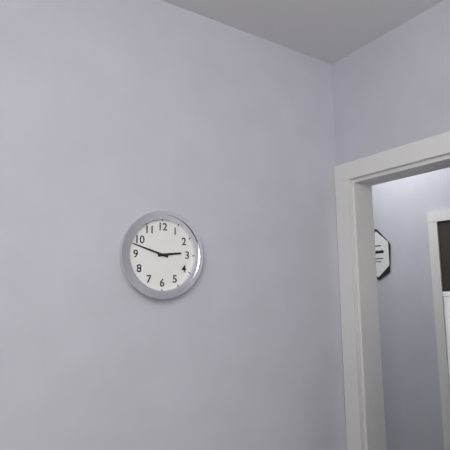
2:48
